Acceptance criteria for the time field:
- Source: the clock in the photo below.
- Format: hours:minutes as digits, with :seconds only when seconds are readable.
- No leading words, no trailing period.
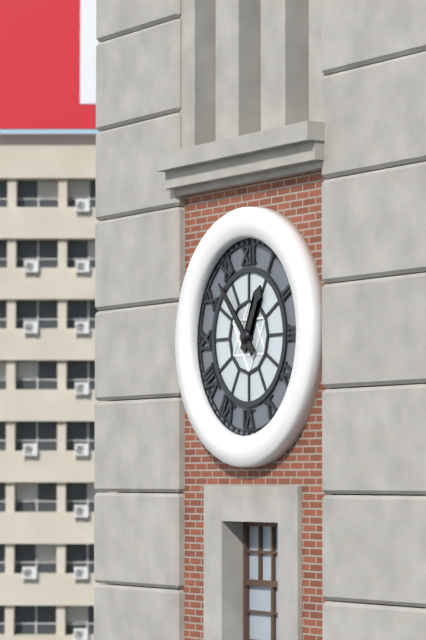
12:53
